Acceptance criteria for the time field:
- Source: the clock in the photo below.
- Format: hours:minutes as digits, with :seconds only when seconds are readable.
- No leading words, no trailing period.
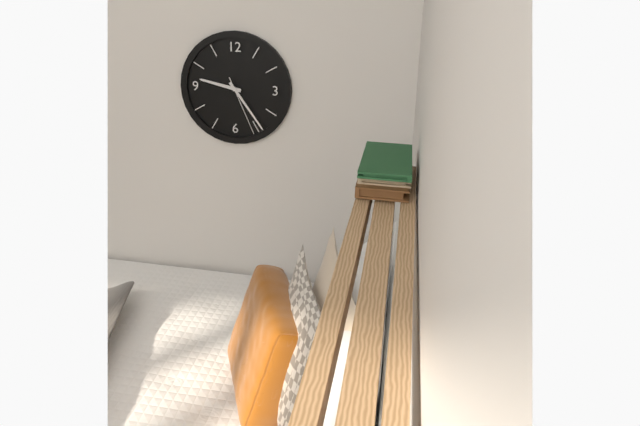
9:24:26
